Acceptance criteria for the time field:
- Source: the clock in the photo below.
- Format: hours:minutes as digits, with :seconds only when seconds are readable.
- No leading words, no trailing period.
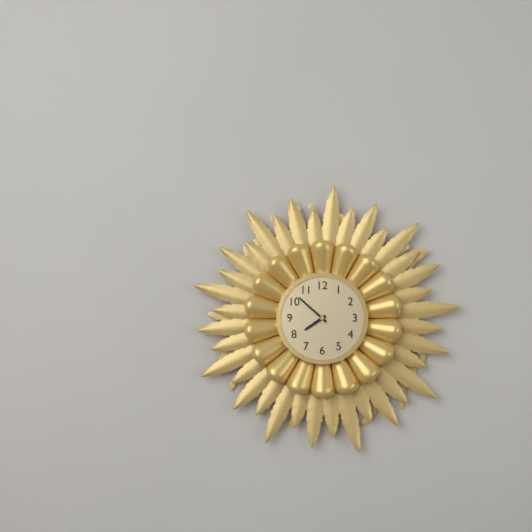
7:52
